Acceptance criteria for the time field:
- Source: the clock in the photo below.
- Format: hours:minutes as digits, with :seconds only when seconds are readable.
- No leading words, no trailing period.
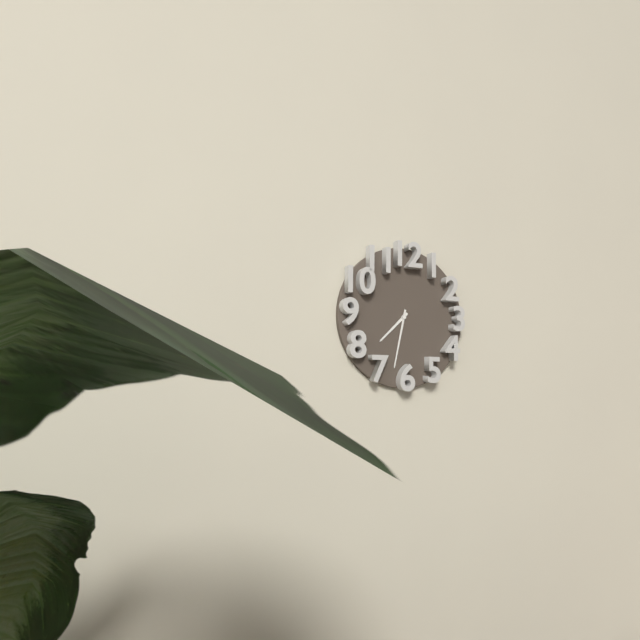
7:32
